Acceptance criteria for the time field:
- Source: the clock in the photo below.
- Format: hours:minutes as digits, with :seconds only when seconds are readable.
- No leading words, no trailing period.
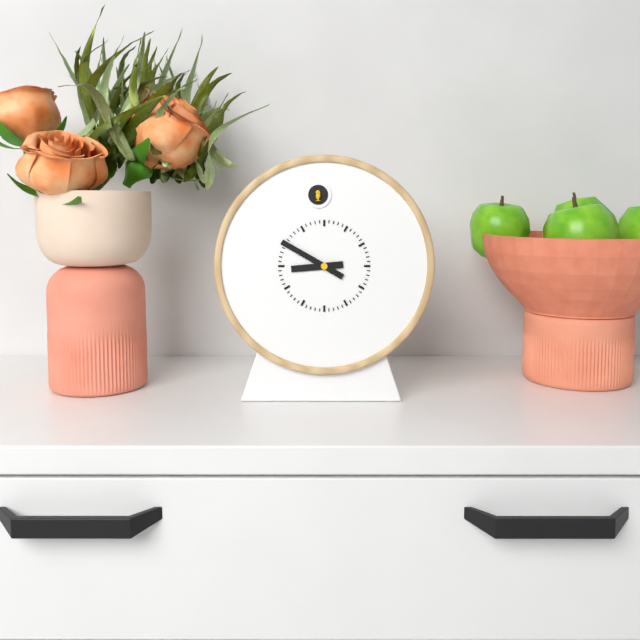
8:50
